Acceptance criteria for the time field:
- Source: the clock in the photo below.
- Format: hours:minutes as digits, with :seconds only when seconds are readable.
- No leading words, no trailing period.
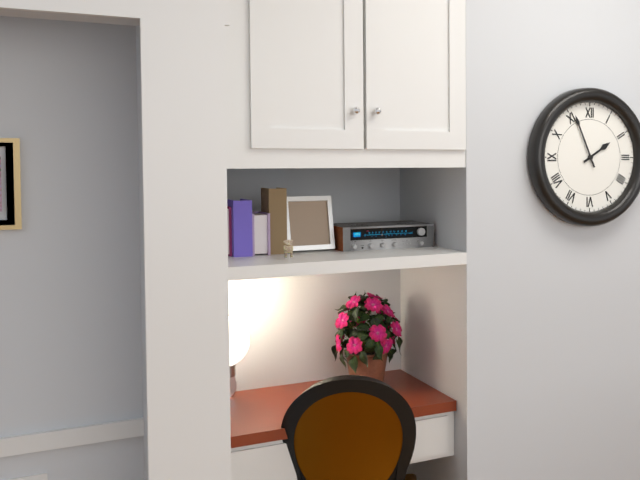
1:56
